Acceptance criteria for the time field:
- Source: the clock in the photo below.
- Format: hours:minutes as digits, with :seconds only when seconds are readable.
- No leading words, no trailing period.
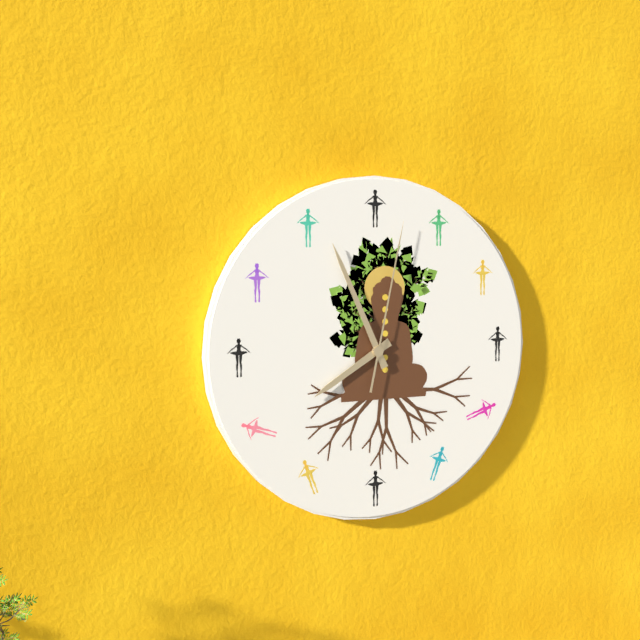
7:56:02
